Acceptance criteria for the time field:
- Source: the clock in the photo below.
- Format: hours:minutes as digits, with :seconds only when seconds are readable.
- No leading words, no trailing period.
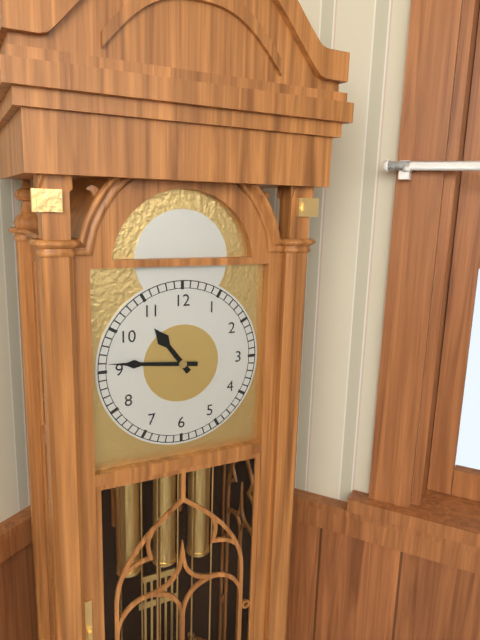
10:46
